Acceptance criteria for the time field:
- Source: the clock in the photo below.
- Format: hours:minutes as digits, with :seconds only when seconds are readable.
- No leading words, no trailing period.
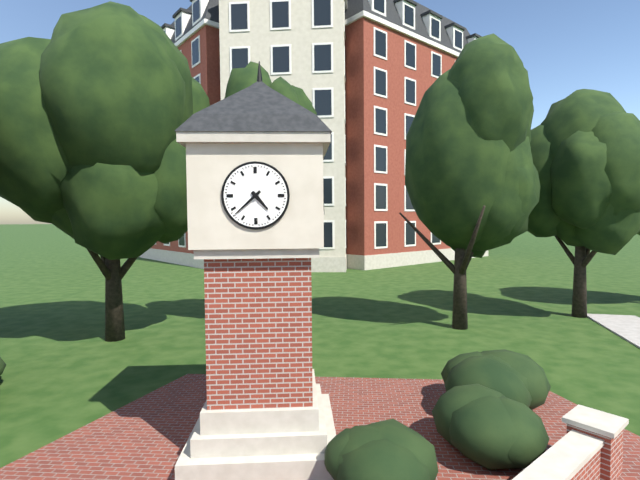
4:38
